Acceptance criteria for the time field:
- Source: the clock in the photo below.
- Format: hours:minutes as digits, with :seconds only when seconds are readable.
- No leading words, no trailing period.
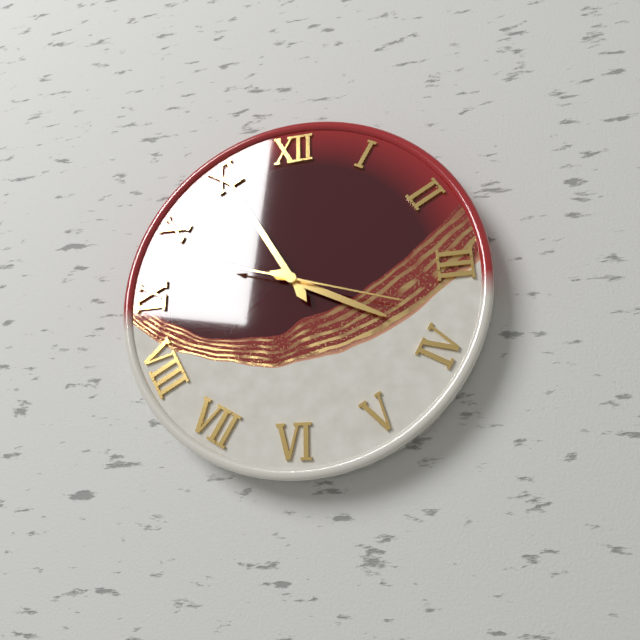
3:55:18
